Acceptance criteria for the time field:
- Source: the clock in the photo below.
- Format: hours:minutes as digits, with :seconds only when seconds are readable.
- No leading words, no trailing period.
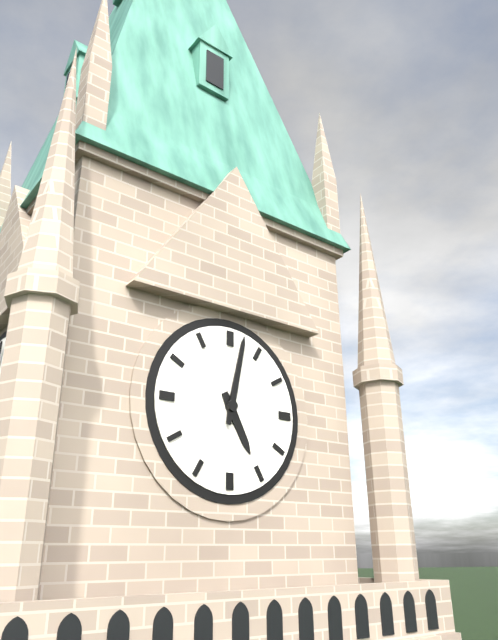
5:02
